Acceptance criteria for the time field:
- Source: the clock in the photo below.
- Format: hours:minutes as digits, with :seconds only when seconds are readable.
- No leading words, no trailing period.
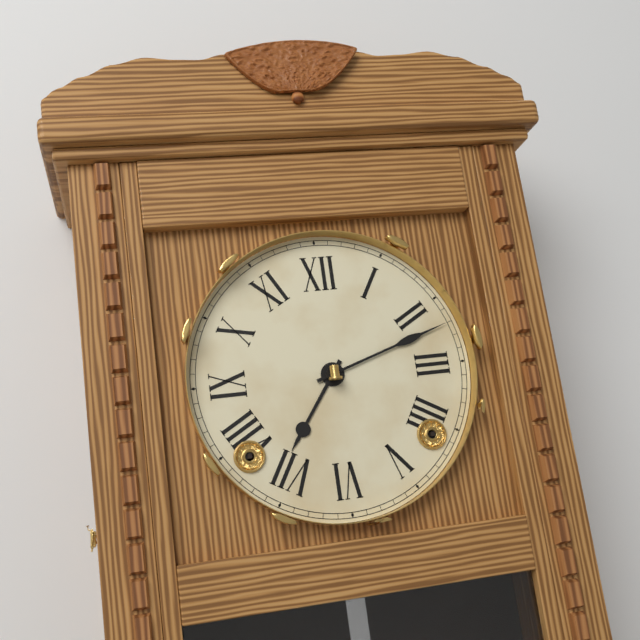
7:12
